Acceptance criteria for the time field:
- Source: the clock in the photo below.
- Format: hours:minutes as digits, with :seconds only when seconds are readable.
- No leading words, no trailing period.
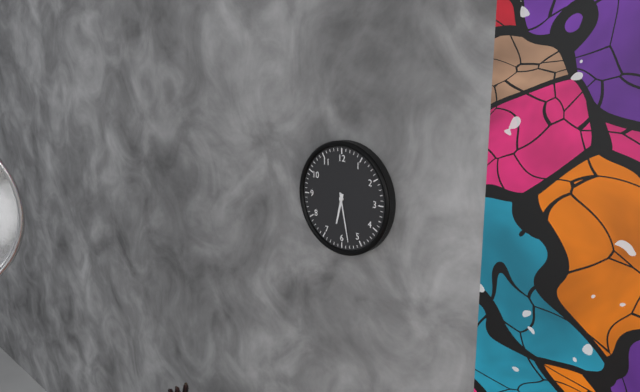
6:28
